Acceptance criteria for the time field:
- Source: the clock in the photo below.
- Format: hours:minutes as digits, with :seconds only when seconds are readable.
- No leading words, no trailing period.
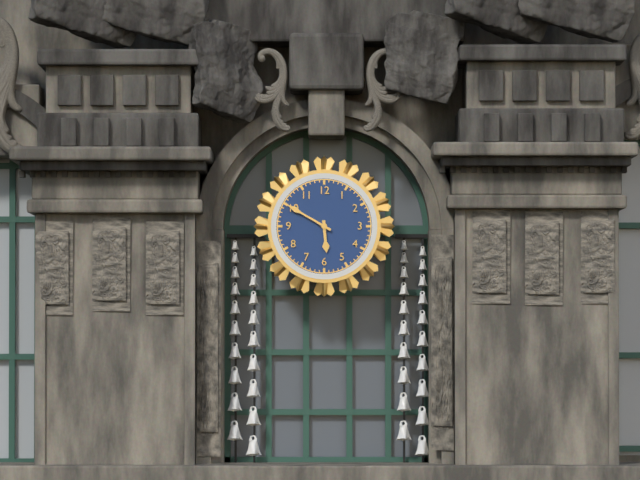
5:50
